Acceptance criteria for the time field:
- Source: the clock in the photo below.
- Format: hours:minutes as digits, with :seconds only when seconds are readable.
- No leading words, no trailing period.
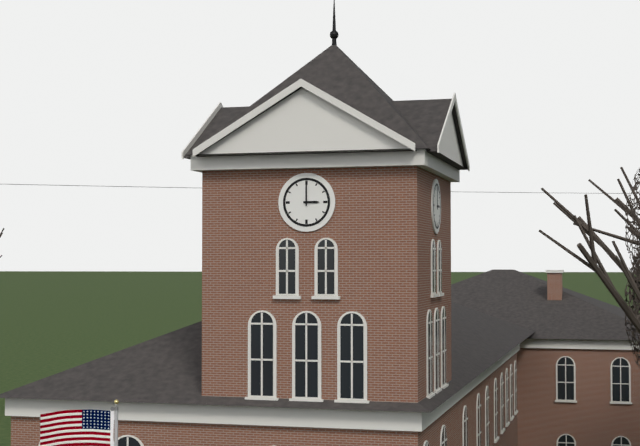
3:00
